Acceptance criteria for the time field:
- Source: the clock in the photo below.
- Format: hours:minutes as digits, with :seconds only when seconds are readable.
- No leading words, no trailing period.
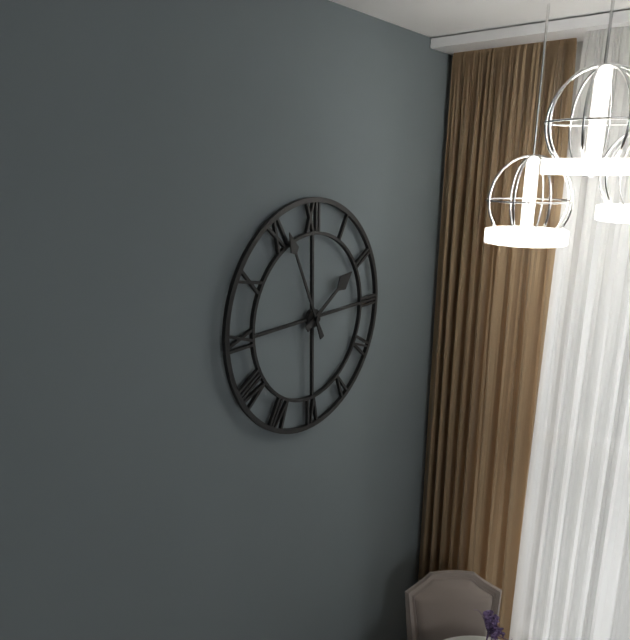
1:56
